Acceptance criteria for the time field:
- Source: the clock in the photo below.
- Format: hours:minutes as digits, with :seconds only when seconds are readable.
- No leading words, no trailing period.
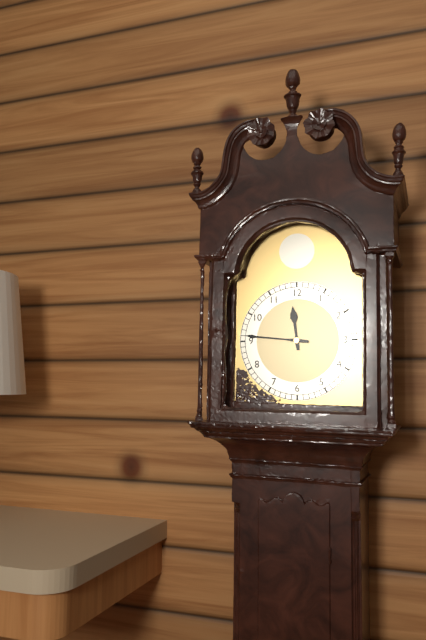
11:46
